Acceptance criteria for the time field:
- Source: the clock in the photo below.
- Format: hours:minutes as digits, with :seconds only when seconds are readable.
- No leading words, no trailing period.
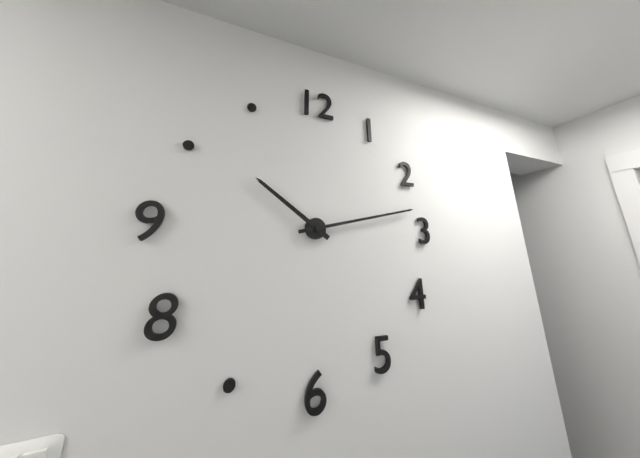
10:13
